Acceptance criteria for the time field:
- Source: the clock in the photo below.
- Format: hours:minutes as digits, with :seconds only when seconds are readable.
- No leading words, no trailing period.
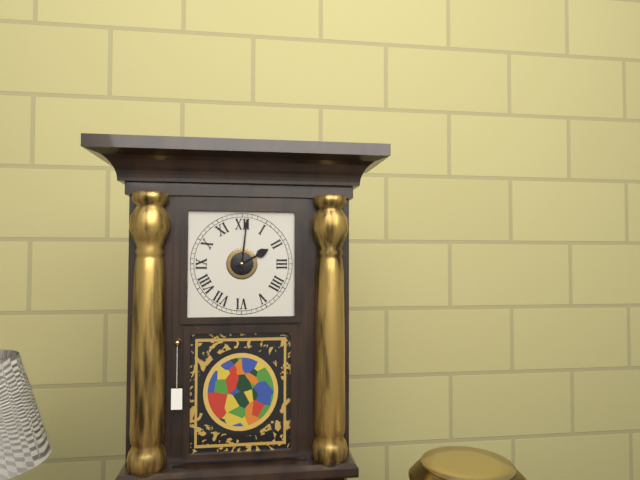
2:01
